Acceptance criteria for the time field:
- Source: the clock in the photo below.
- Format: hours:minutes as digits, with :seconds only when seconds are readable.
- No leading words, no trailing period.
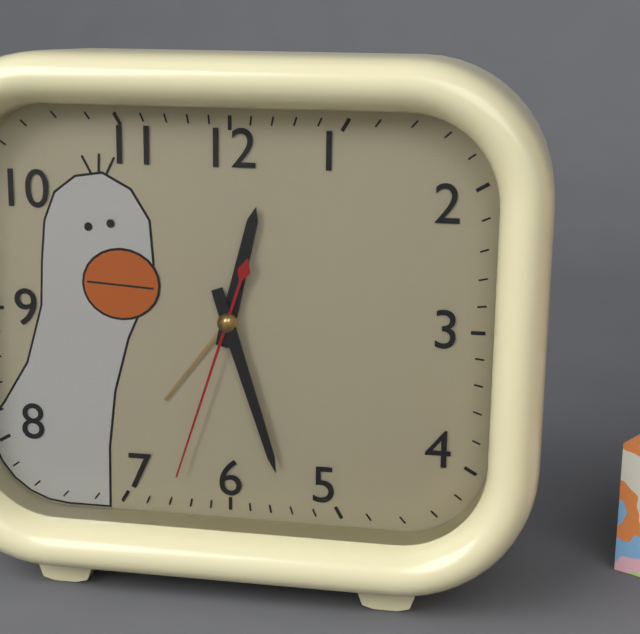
12:27:33
